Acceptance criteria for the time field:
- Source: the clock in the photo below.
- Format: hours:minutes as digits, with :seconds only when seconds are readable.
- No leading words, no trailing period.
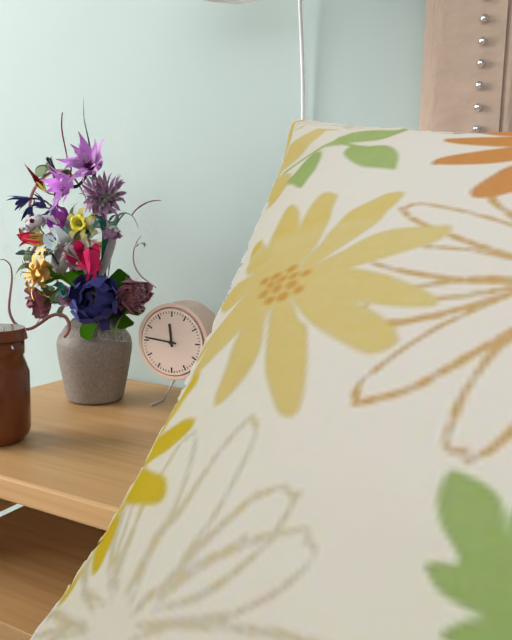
11:46
